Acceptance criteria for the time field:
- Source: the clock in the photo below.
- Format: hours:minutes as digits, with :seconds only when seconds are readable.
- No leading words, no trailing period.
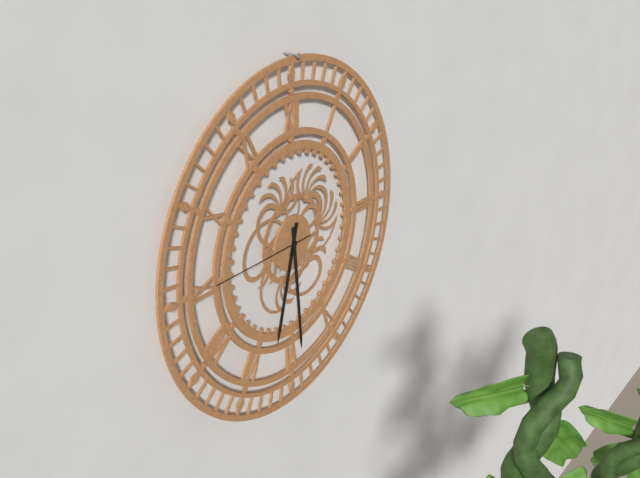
6:29:45
